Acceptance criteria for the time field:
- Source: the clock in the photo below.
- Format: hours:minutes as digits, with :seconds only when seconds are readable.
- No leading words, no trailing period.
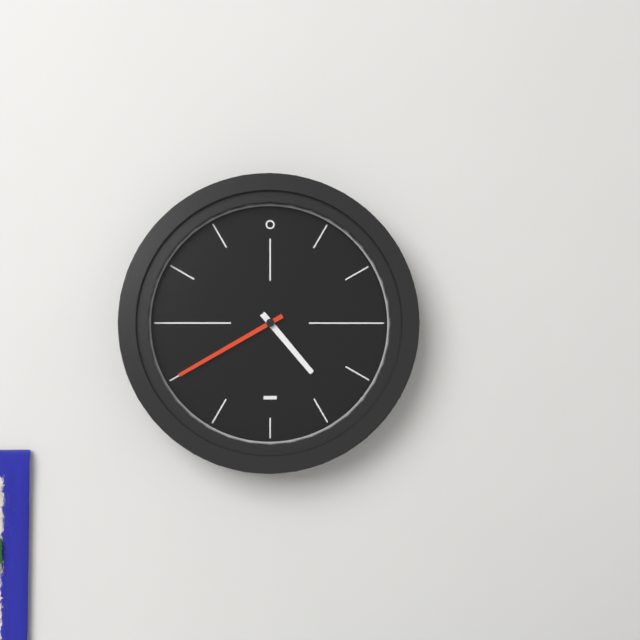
4:40
